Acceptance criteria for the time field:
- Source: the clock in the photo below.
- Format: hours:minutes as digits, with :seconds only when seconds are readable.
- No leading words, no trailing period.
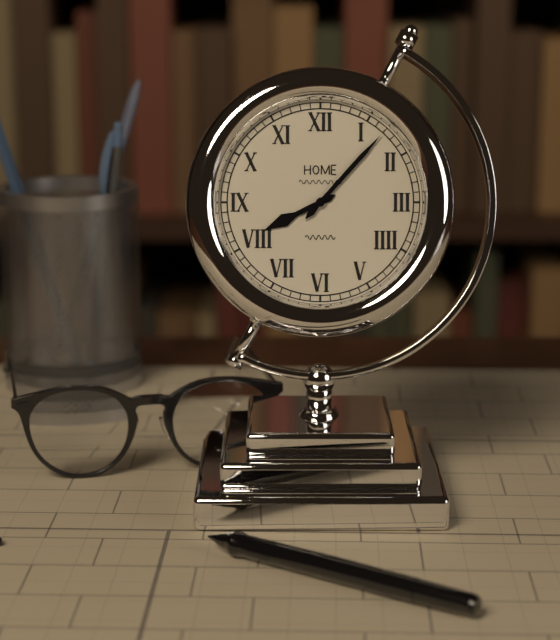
8:07
